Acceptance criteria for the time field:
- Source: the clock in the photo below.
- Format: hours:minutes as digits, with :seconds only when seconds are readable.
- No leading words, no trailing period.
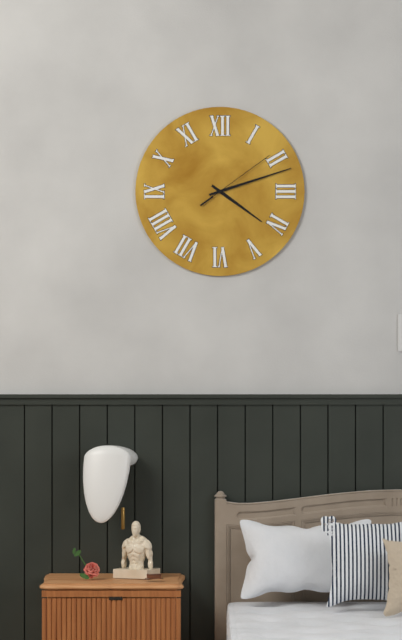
4:12:09
